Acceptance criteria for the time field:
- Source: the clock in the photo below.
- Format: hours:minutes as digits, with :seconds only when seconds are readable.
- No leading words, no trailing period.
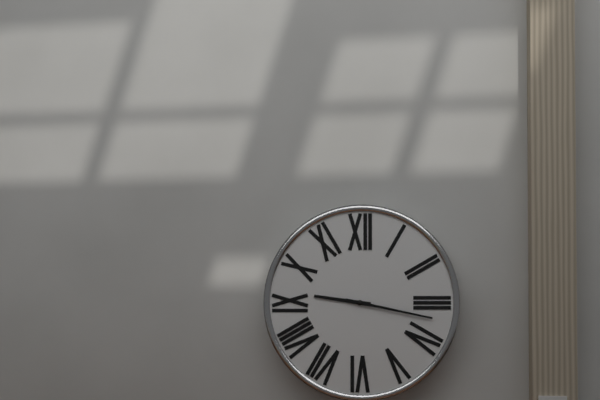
9:17
